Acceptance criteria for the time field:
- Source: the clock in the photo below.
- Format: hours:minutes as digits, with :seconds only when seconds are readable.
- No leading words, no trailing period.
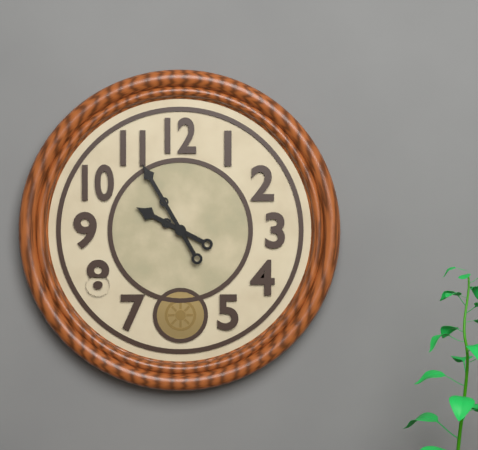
9:55
